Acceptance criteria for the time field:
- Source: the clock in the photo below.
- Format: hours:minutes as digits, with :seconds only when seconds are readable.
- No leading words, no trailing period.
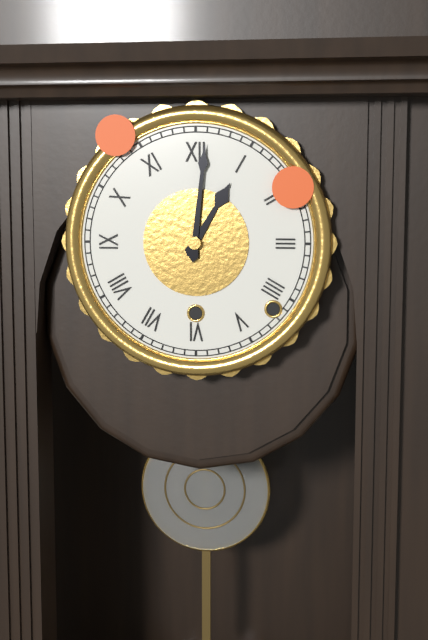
1:01
